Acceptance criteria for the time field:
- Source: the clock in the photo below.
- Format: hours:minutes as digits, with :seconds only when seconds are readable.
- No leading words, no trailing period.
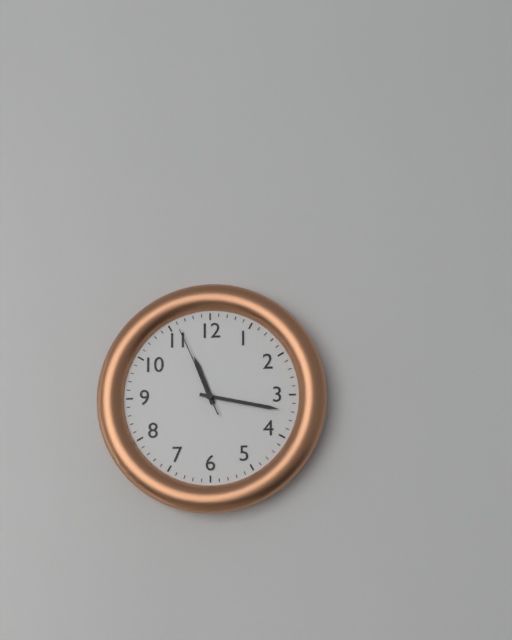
11:17:56
